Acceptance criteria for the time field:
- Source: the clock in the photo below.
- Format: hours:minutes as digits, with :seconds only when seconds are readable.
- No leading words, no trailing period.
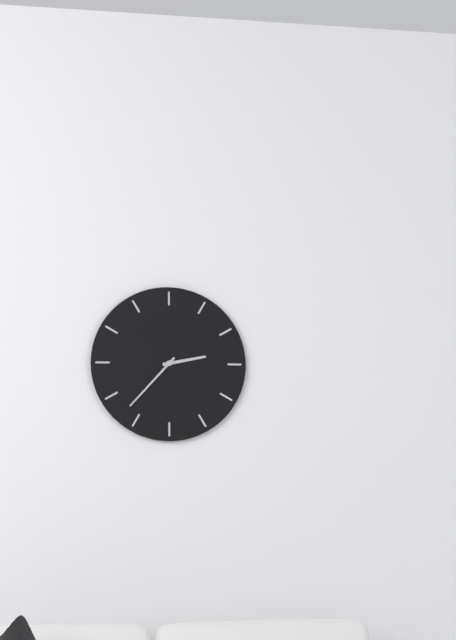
2:37
